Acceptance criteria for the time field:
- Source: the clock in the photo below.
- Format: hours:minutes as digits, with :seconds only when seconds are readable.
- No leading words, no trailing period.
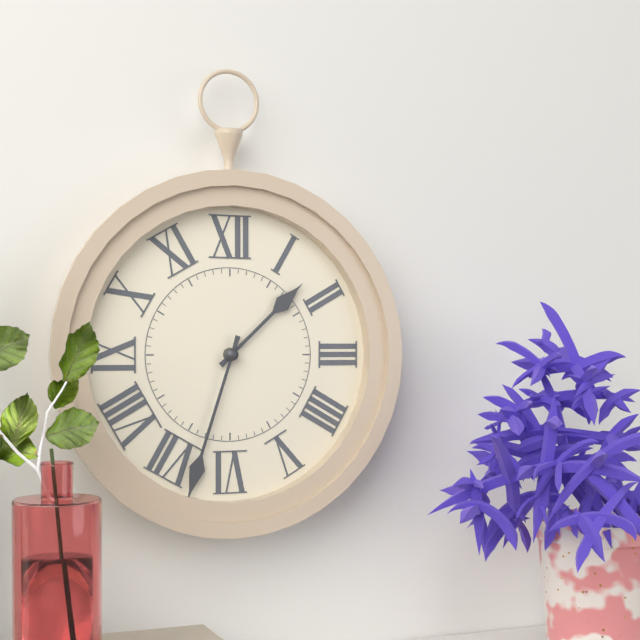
1:33
